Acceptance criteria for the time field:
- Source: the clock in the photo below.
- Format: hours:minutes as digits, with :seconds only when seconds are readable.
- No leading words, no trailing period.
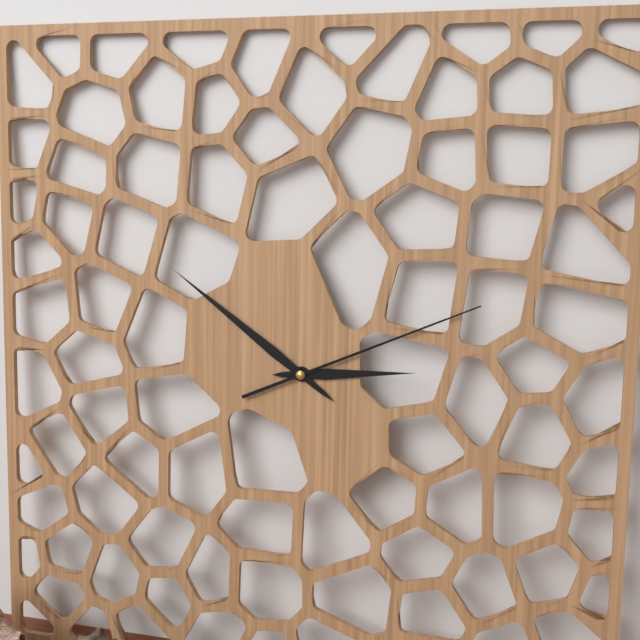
2:51:11
